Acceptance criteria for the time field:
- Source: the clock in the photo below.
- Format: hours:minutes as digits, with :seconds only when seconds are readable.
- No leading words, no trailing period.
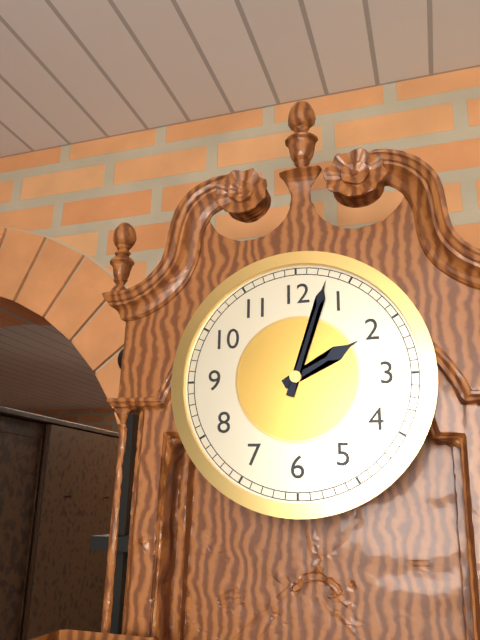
2:03
